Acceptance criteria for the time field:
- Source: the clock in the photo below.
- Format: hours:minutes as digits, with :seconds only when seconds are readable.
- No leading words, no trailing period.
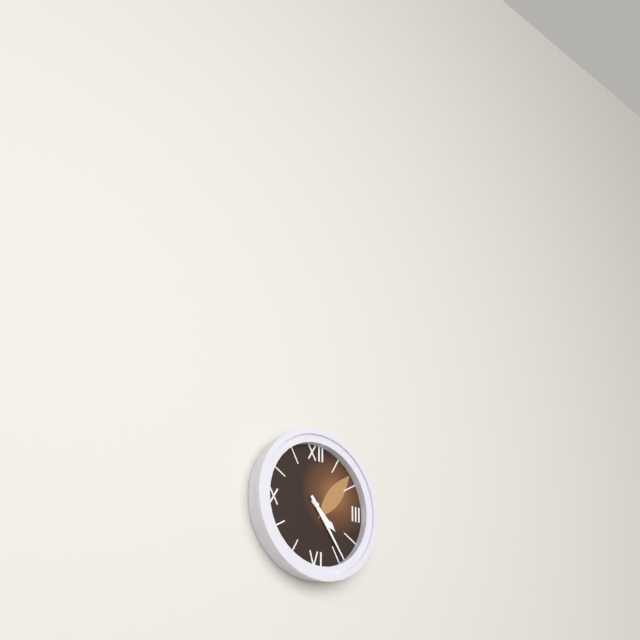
4:24
